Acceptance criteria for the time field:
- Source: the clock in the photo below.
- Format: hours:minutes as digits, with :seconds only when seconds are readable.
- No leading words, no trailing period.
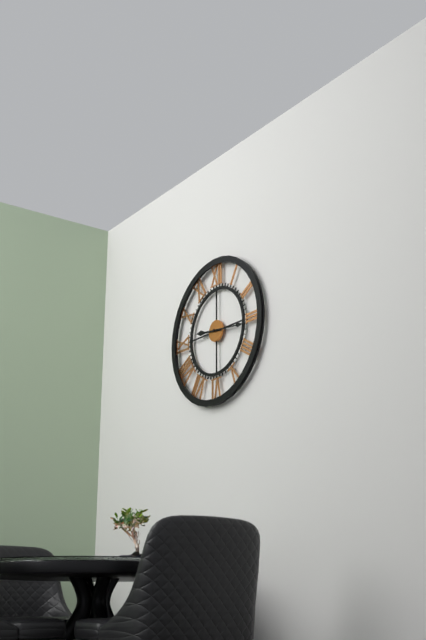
9:16
